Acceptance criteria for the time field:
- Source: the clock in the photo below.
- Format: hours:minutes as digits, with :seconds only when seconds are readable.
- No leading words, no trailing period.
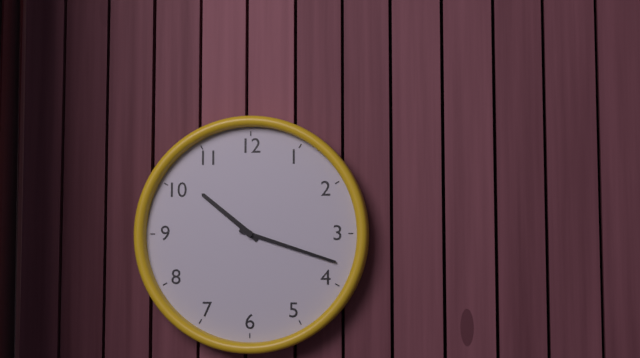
10:18
